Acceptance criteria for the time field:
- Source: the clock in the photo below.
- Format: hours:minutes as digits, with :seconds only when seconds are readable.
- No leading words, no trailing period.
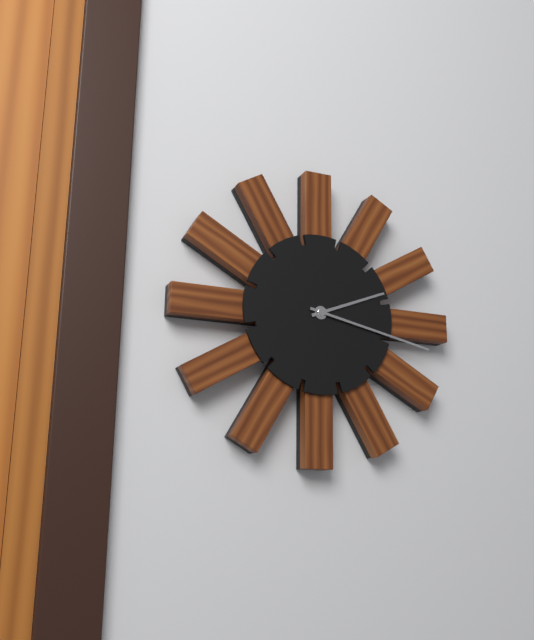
2:17
